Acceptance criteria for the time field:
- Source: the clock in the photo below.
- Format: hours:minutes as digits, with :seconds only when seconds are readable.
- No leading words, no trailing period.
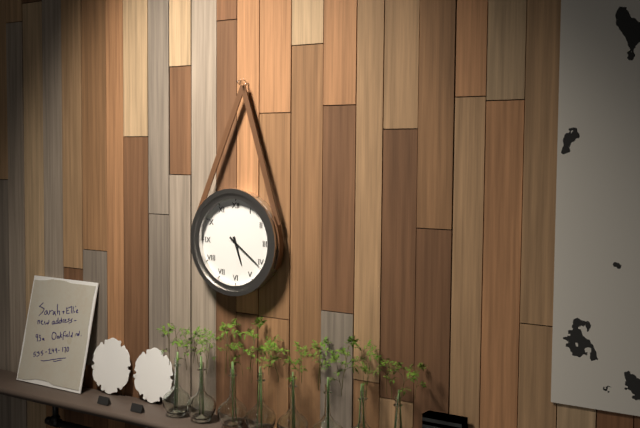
5:21
